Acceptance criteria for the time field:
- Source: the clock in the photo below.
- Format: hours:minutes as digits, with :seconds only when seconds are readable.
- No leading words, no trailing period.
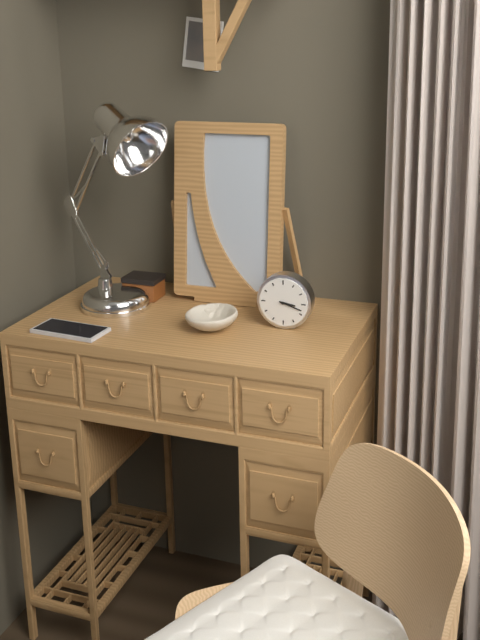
3:18
